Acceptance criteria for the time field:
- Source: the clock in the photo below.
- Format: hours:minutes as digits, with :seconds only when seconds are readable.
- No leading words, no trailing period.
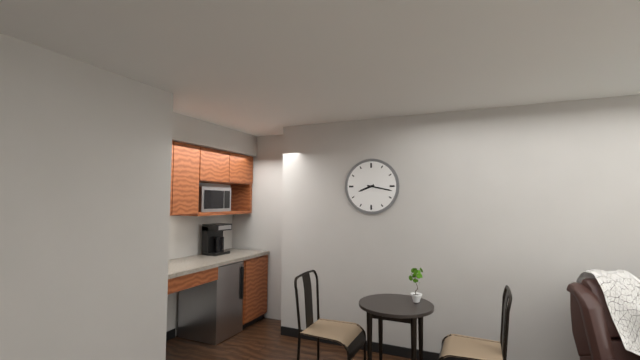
8:17
